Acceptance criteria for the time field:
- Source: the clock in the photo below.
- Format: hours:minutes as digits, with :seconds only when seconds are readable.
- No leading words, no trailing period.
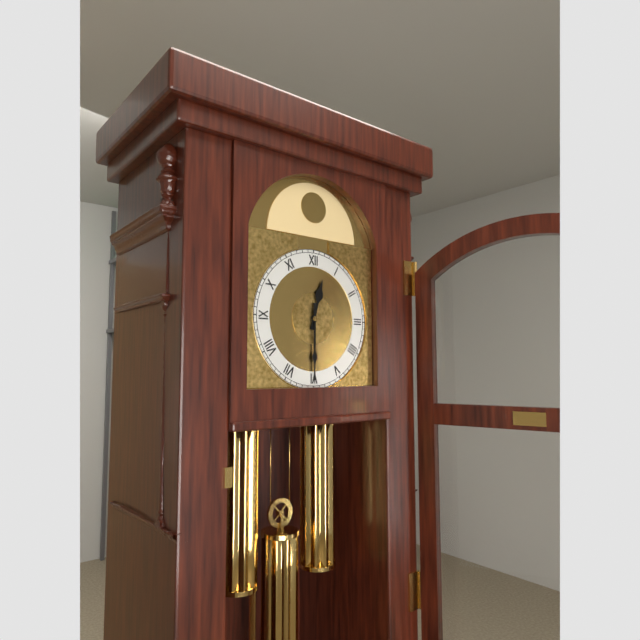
12:30
